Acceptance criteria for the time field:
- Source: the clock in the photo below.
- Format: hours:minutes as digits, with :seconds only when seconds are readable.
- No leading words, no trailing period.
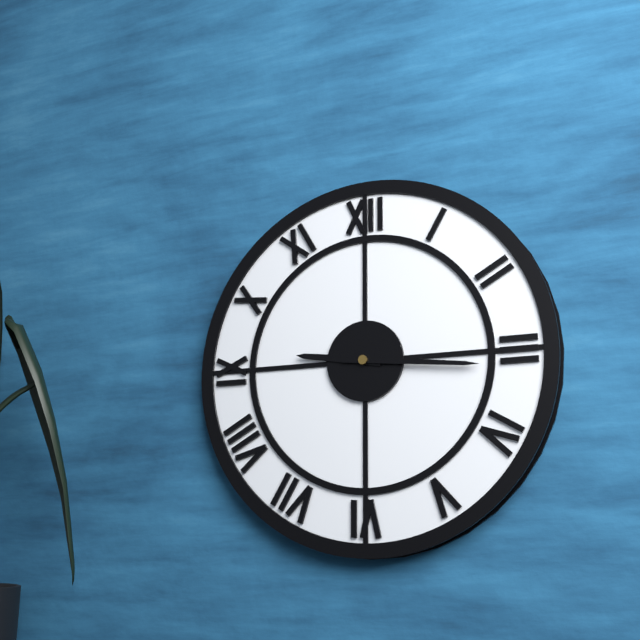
9:16
